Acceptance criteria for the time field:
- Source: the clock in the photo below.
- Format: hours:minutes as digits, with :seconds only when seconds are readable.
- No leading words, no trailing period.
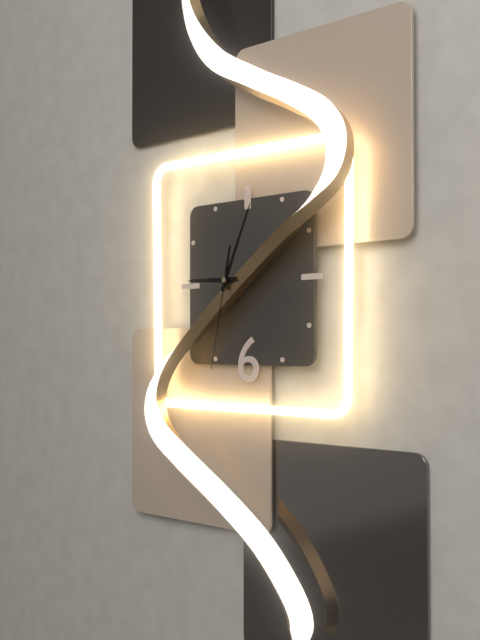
9:04:32
